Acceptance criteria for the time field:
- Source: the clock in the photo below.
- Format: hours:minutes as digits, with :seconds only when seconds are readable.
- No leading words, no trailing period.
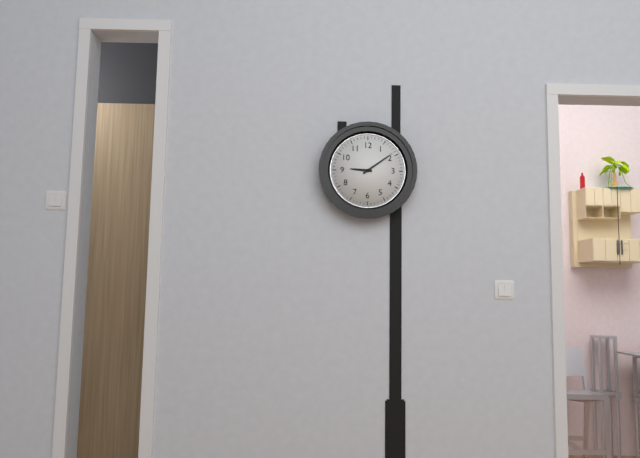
9:09
